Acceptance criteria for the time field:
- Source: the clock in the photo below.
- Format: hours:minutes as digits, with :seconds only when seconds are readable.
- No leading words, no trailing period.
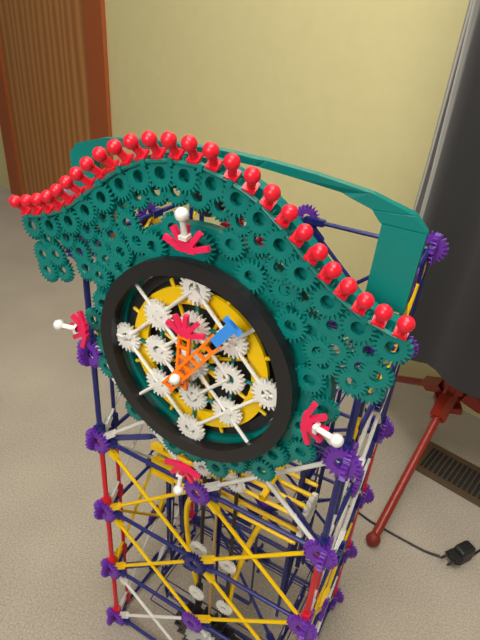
12:06
